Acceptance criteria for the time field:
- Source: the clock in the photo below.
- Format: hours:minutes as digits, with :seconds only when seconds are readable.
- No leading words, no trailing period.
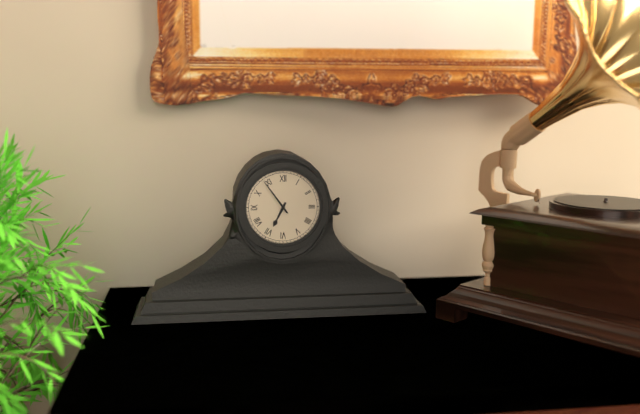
6:54
